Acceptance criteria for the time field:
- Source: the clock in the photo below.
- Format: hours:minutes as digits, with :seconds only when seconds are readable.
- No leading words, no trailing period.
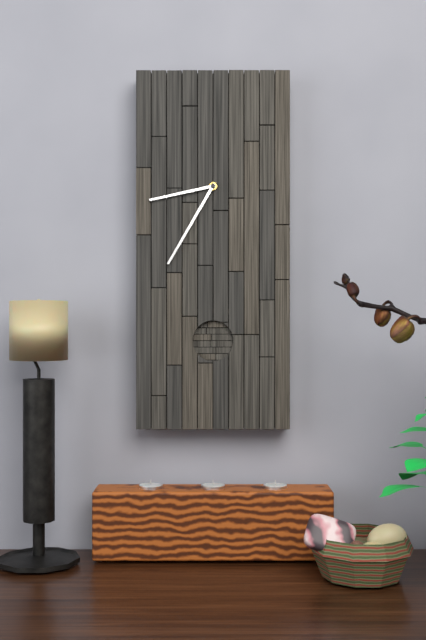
8:35
